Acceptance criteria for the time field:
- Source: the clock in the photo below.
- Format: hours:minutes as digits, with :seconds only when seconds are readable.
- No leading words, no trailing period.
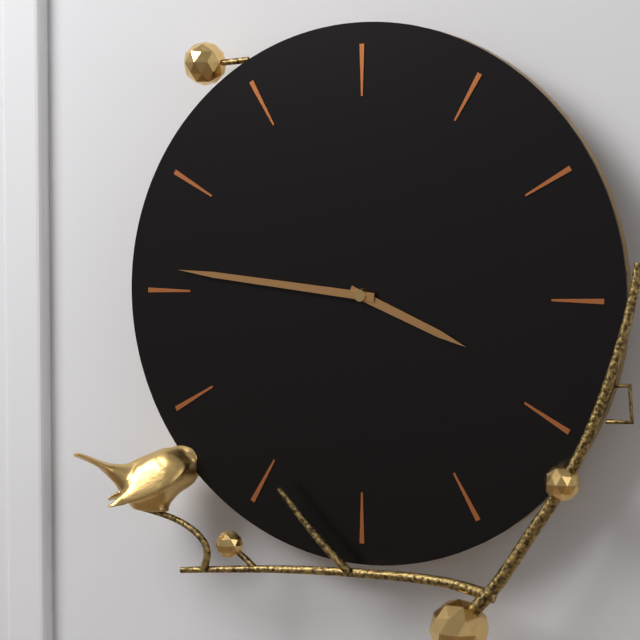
3:46
